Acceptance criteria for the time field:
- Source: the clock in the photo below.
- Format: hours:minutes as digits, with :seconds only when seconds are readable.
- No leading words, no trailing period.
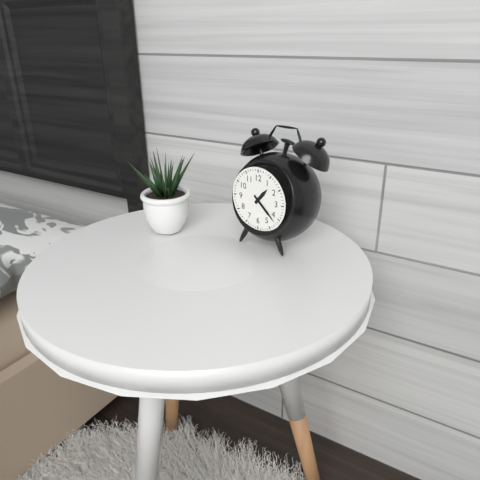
1:22
